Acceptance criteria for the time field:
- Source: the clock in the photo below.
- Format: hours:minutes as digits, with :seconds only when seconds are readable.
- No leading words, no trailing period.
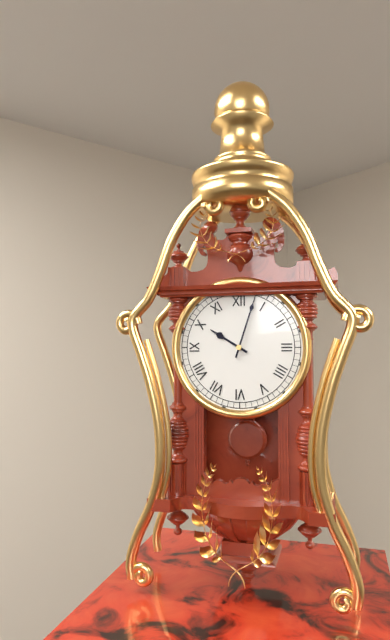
10:03
